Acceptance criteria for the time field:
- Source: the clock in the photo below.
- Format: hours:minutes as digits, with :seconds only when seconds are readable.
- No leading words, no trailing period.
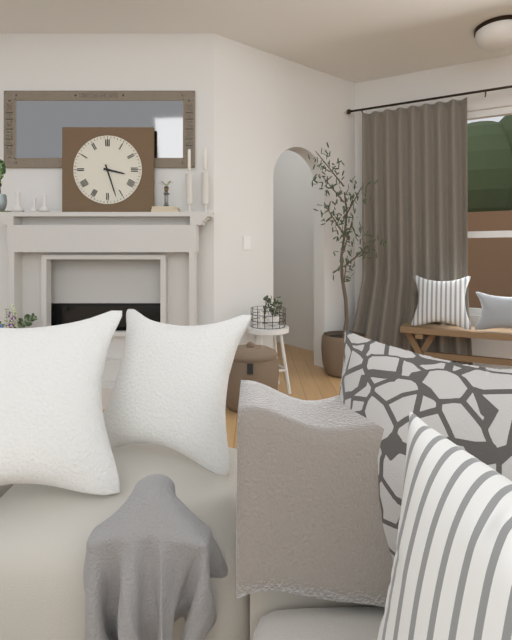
3:27
